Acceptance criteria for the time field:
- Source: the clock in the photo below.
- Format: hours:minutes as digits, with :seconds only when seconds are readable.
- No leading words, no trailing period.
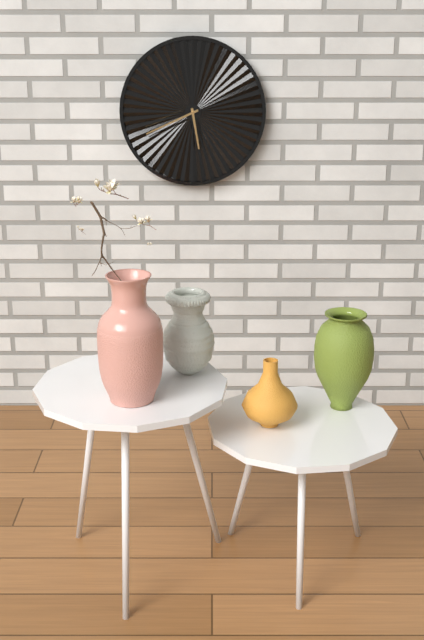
5:41
